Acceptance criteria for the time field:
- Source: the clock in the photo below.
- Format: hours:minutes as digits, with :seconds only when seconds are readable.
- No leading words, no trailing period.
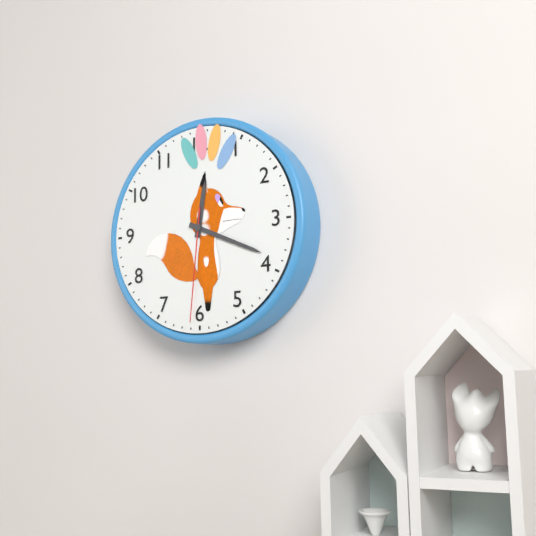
12:19:31
